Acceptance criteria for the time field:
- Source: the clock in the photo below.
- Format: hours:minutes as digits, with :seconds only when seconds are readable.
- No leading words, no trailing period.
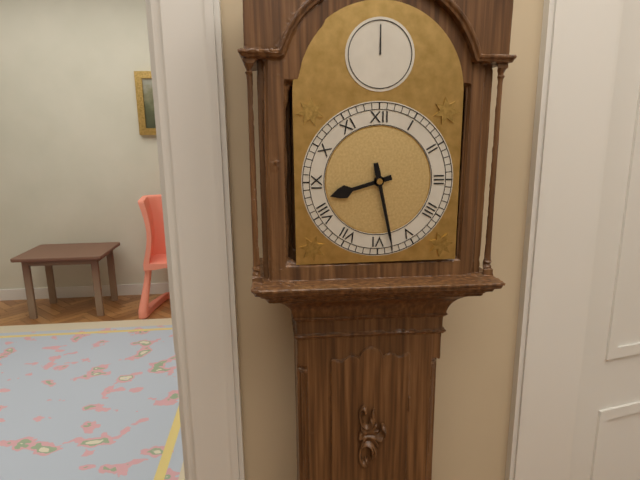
8:28
